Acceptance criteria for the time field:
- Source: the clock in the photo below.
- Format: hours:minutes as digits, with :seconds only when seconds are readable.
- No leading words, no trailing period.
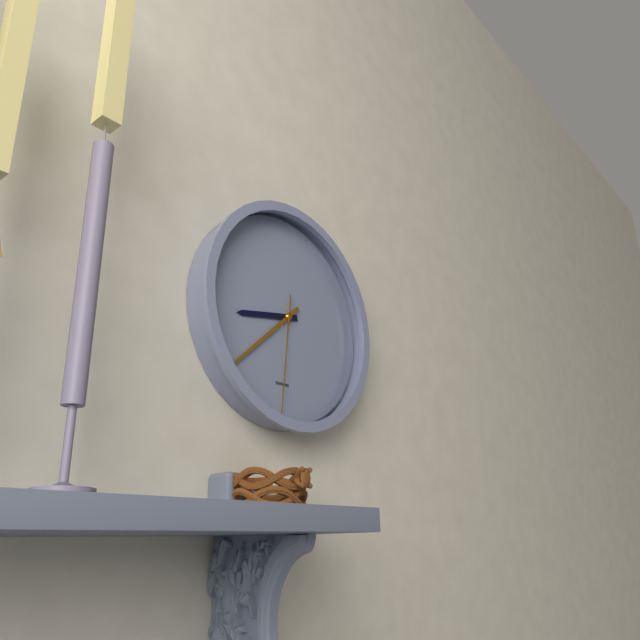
8:38:31
